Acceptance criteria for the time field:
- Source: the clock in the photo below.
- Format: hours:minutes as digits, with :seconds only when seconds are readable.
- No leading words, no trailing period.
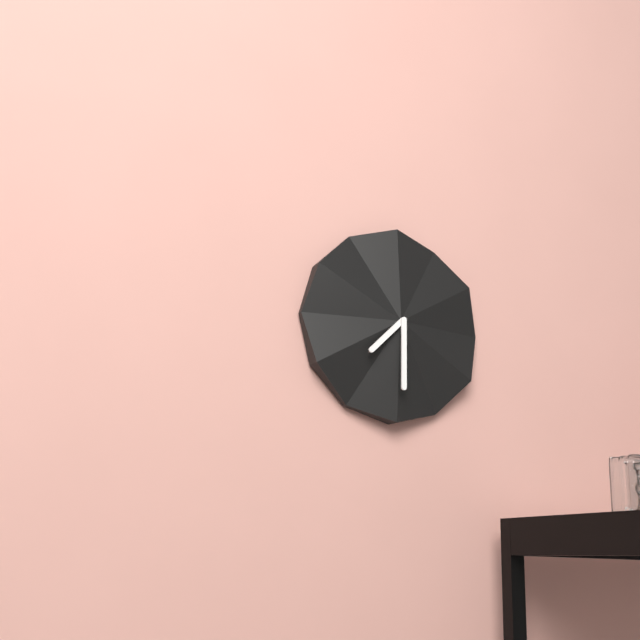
7:30
